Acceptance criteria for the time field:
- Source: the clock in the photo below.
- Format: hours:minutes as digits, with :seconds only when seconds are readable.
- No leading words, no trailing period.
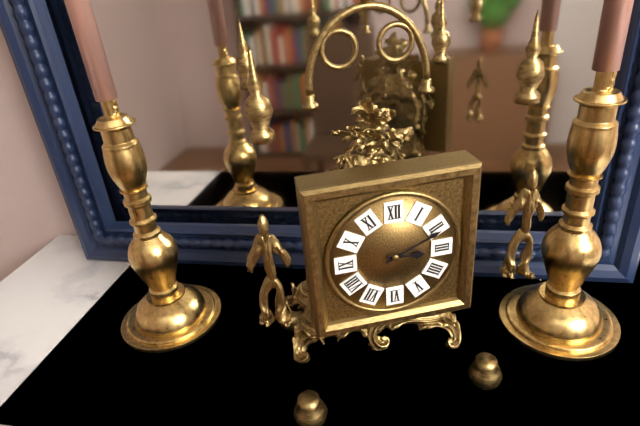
3:11
